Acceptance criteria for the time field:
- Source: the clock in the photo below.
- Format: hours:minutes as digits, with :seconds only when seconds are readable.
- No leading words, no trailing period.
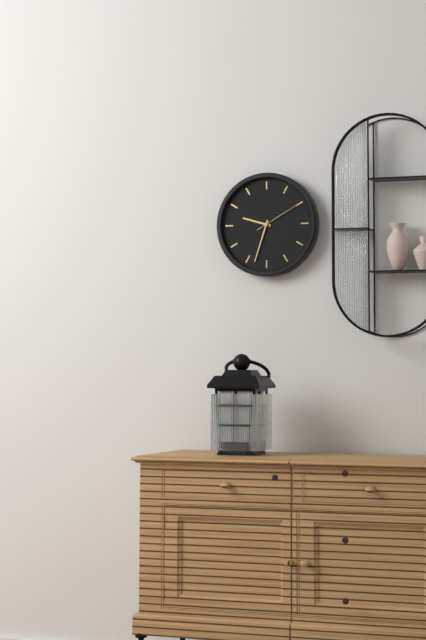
9:33
